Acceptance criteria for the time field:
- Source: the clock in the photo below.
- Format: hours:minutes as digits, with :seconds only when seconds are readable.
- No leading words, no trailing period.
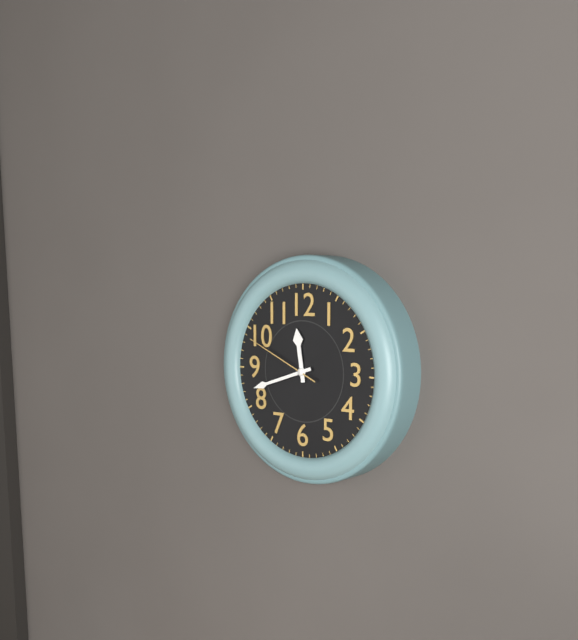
11:42:49
